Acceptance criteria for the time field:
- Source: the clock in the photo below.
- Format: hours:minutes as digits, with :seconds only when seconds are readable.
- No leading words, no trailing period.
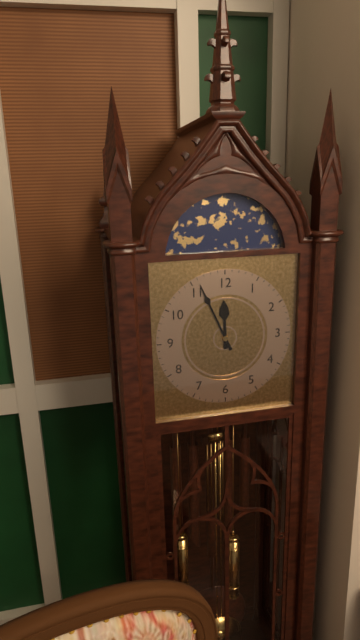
11:56
